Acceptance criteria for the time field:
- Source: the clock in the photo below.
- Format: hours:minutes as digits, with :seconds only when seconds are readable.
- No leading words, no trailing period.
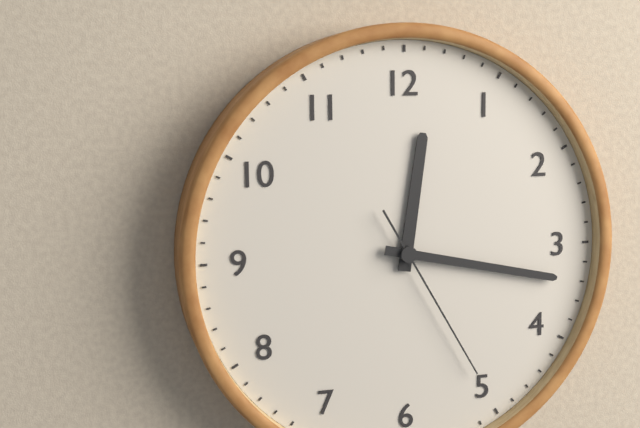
12:17:25
